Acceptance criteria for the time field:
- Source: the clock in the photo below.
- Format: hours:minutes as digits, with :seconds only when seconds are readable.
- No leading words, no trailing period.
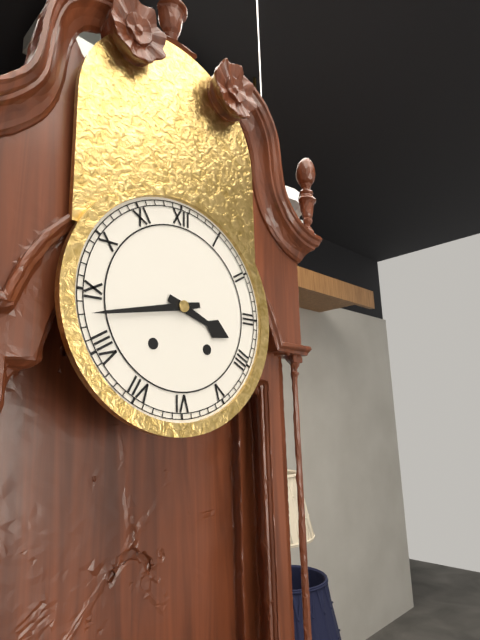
3:43
